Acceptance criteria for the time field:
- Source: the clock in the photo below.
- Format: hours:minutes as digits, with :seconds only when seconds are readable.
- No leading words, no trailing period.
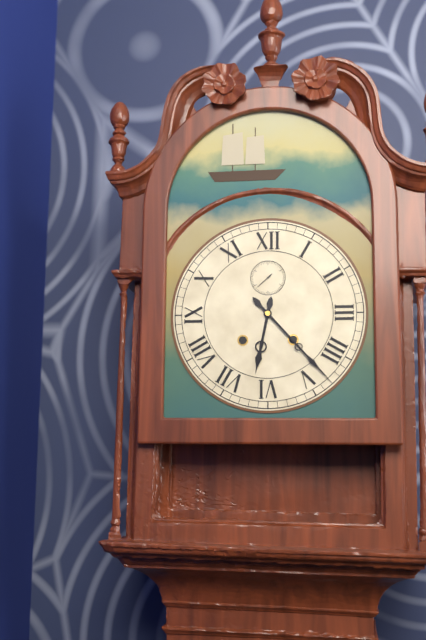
6:23
